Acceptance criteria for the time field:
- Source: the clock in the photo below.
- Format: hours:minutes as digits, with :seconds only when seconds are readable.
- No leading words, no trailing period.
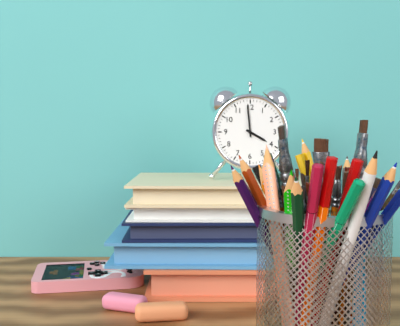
3:59
